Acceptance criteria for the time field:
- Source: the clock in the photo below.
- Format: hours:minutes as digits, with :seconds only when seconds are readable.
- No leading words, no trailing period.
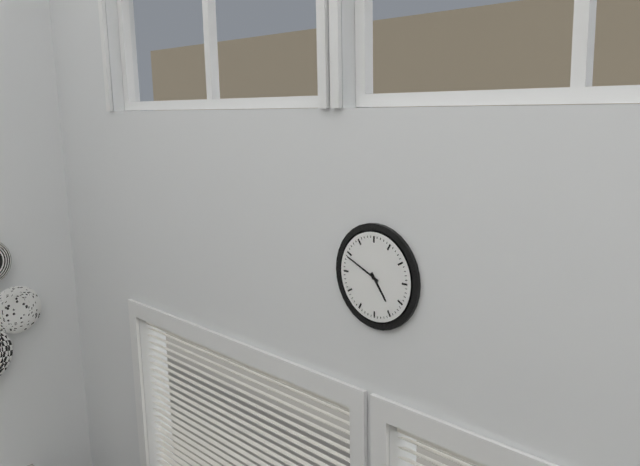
4:49
